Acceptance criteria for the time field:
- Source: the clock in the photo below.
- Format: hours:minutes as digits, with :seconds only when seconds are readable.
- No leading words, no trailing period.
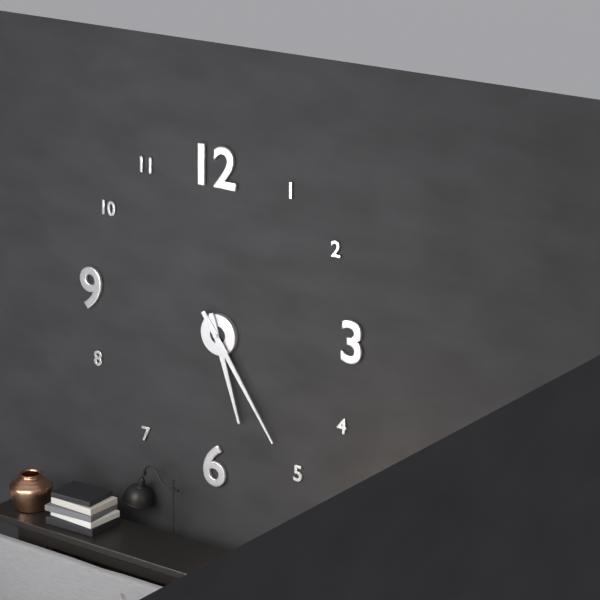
5:24
